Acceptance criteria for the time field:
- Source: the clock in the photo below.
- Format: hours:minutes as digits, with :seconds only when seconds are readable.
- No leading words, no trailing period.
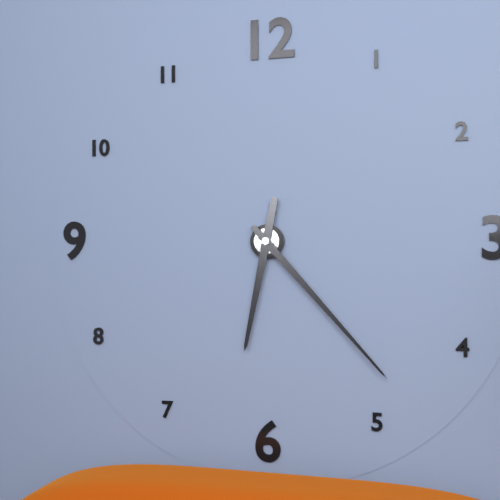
6:23
